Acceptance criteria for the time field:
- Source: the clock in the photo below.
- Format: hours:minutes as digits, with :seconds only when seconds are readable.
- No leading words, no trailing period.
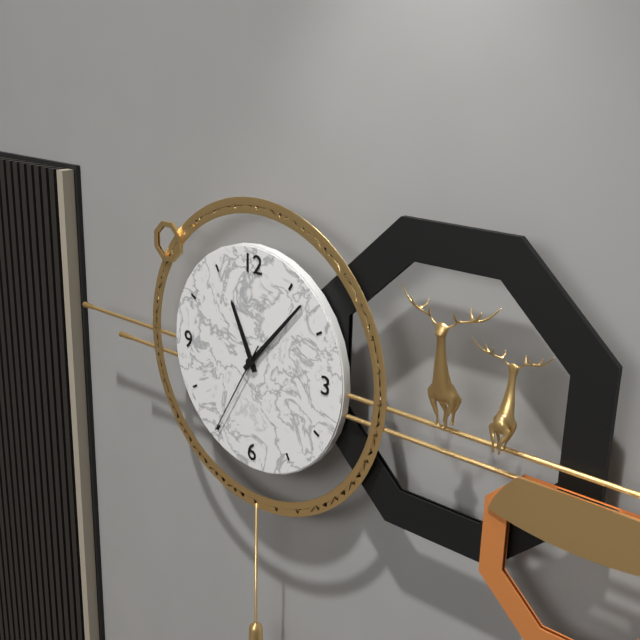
11:07:35
